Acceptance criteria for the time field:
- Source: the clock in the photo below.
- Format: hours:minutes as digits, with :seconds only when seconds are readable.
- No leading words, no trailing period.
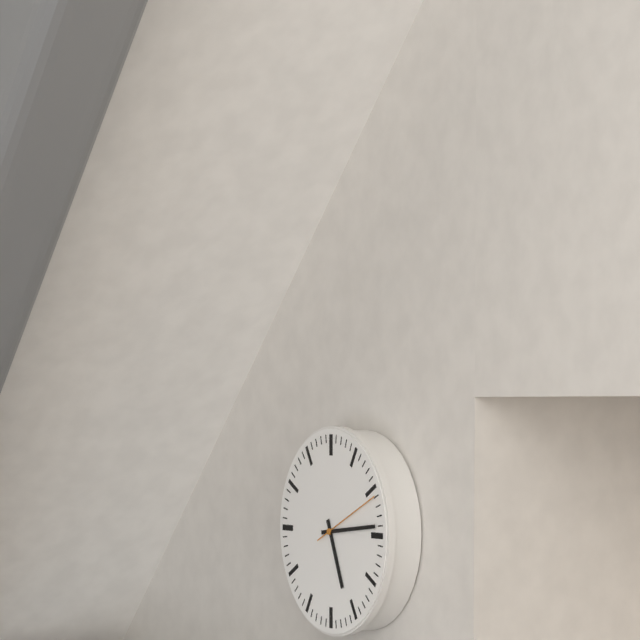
5:14:11
